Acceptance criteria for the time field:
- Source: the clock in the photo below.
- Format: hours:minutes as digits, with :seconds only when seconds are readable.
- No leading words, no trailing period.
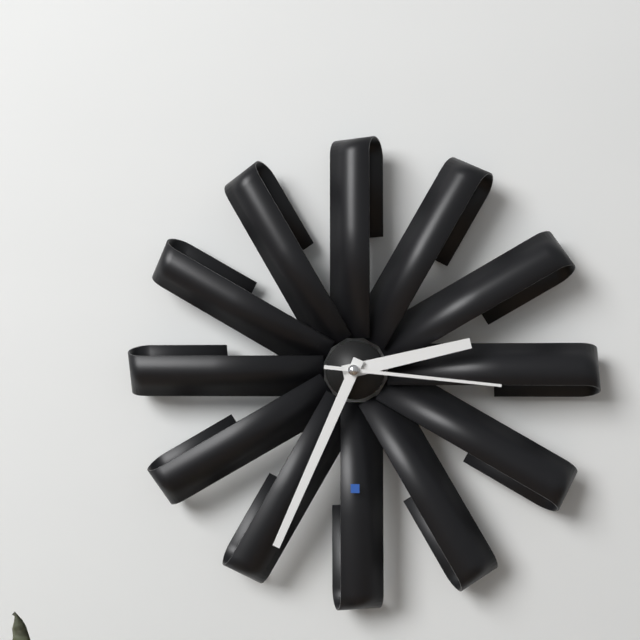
2:34:16
